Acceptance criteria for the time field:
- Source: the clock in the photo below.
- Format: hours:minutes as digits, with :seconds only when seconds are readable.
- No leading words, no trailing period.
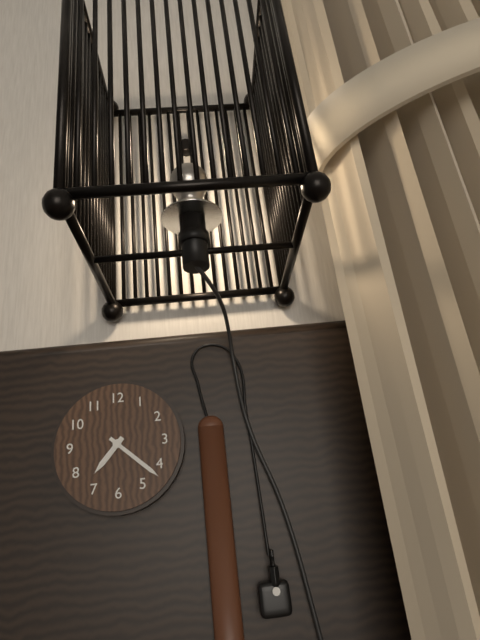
7:22
